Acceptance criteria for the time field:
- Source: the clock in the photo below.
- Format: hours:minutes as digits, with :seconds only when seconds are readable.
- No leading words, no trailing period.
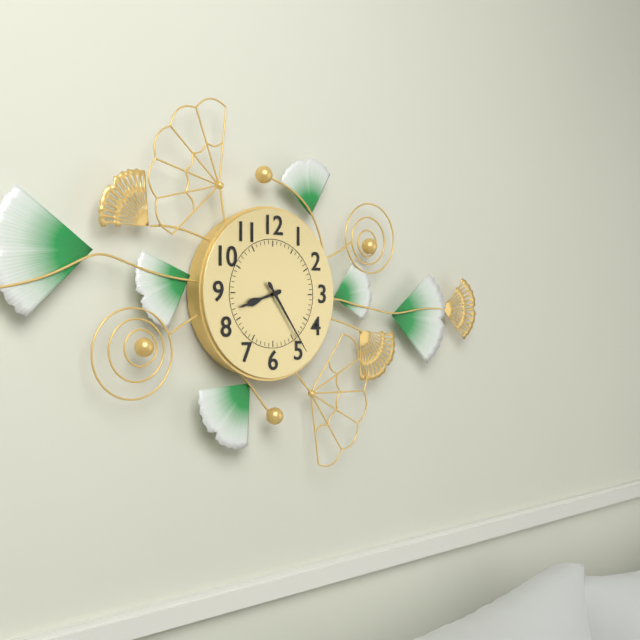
8:24
